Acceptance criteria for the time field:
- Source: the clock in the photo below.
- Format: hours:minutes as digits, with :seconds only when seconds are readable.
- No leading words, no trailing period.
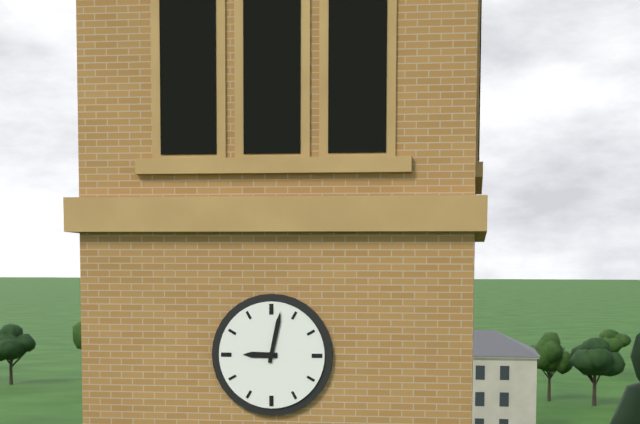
9:02
